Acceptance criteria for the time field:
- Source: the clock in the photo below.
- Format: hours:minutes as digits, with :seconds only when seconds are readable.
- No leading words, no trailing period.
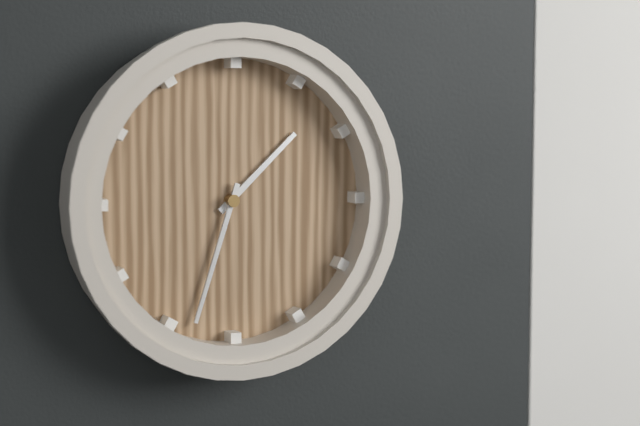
1:33
